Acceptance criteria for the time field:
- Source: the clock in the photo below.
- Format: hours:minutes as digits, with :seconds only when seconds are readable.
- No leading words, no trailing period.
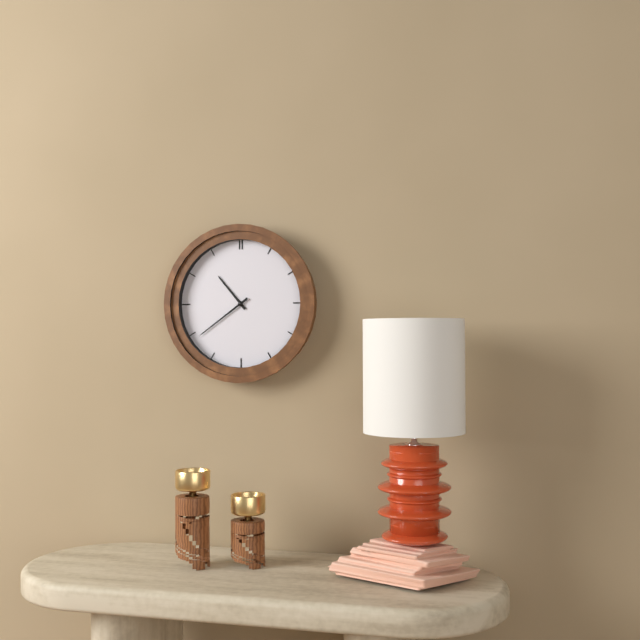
10:39
